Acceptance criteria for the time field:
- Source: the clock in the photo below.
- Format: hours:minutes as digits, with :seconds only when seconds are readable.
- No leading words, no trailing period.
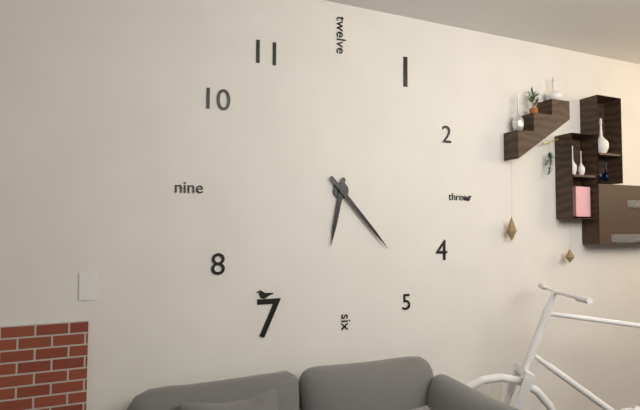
6:23
